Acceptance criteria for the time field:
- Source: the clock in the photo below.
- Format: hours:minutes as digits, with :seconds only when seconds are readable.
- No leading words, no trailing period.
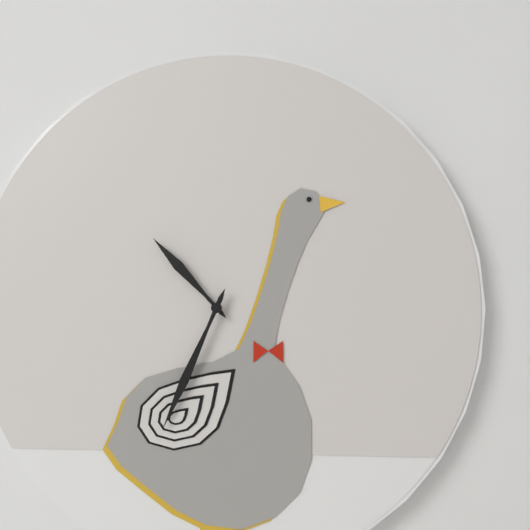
10:34
